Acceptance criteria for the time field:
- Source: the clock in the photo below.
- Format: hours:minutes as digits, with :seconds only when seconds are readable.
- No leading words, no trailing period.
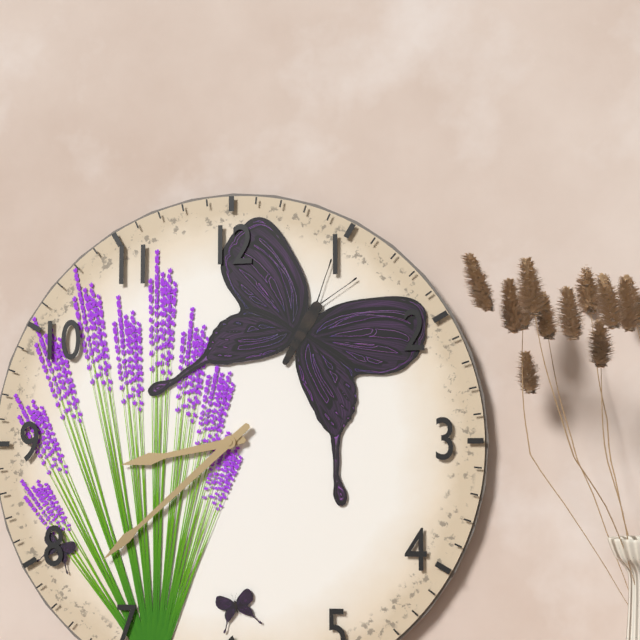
8:38
